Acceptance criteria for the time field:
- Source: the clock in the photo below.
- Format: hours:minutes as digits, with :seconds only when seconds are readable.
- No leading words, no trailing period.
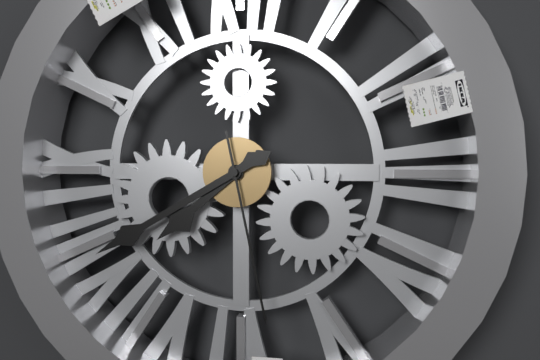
7:40:28
